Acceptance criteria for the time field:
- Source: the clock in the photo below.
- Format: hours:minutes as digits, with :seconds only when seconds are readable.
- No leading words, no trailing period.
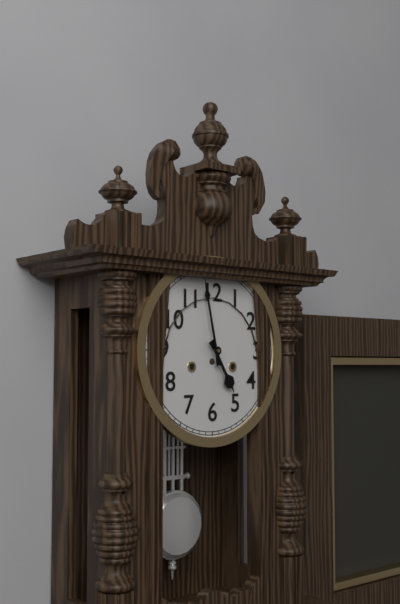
4:58
